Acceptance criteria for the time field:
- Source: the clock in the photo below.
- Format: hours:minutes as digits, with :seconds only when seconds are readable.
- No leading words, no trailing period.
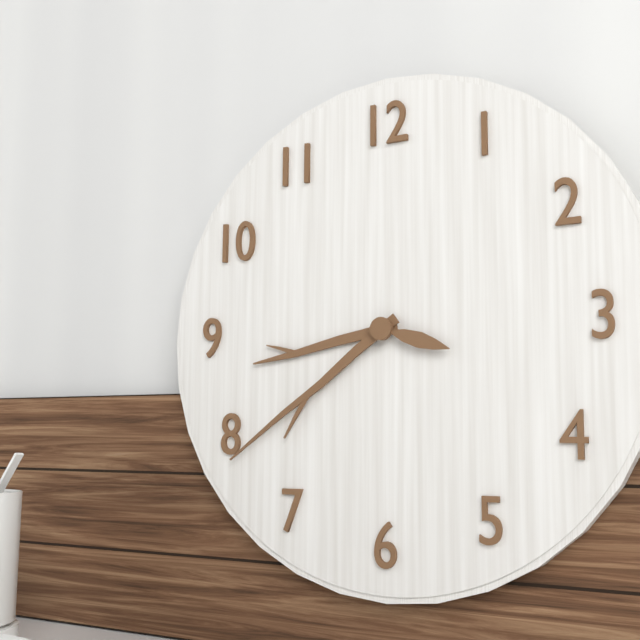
8:39:18
